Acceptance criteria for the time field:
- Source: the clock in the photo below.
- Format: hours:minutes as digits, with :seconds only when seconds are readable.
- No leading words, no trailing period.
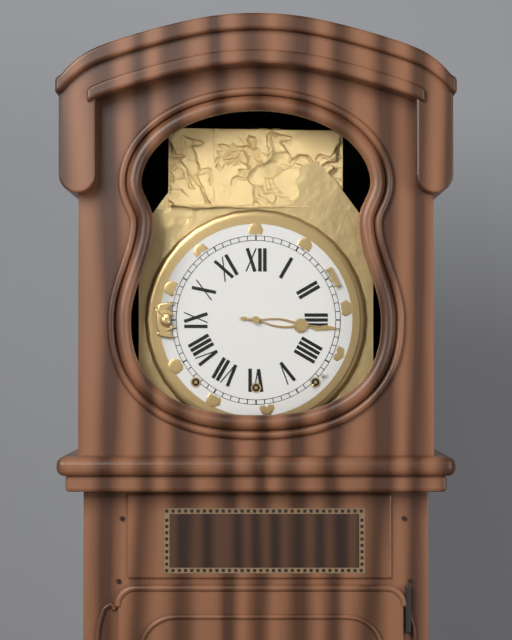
3:16
